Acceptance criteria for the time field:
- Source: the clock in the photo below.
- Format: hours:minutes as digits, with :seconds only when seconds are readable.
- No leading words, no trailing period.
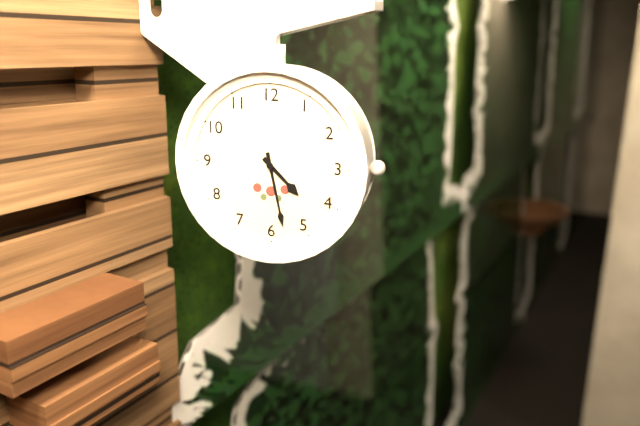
4:28
